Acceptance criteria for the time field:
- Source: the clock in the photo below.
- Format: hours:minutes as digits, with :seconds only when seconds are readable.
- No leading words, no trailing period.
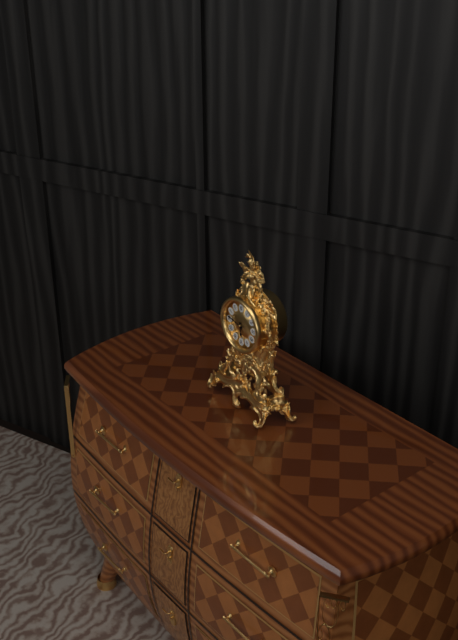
5:47
